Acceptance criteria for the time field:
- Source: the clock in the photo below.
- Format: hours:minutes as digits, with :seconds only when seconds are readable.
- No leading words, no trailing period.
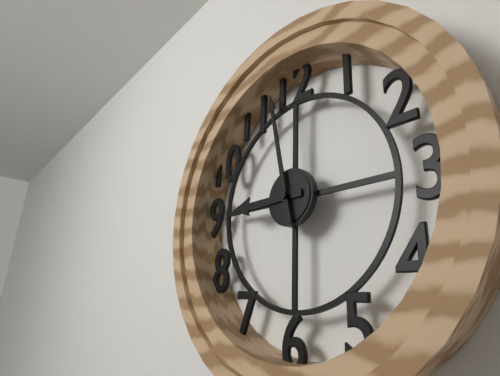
8:58
